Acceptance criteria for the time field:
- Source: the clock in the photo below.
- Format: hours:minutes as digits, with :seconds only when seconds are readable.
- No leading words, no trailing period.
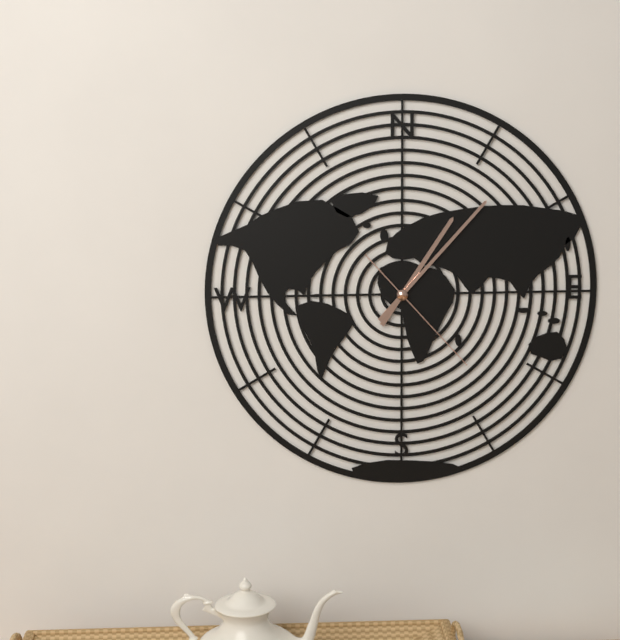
1:07:23
